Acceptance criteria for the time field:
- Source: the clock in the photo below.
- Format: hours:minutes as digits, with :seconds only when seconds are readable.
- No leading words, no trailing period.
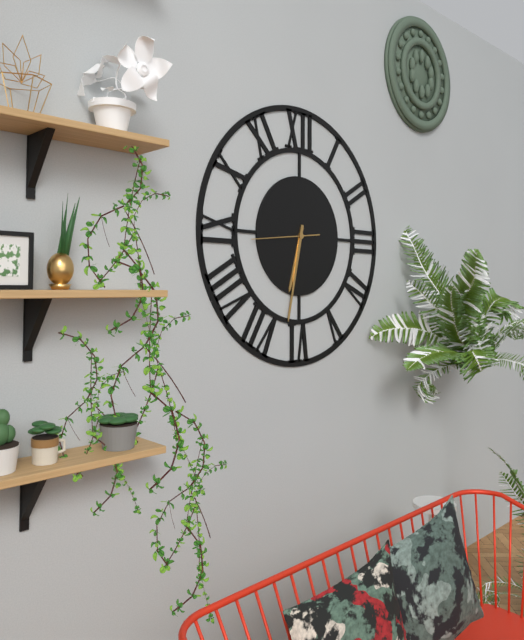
6:32:44
